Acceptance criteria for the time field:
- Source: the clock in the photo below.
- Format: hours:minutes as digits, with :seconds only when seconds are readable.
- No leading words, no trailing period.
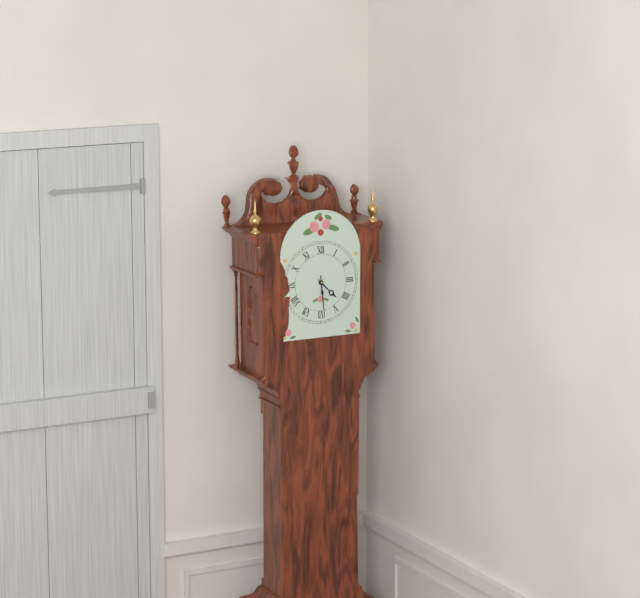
4:29
